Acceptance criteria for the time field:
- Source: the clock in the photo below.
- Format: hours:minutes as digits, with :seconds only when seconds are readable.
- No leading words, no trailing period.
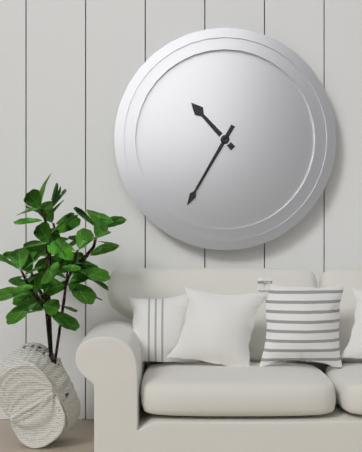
10:35
